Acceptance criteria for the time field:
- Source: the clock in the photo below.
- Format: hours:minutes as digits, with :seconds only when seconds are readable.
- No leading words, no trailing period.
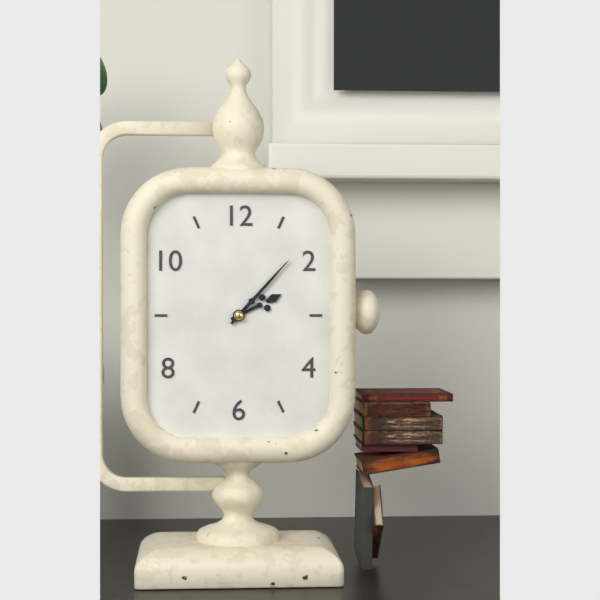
2:07
